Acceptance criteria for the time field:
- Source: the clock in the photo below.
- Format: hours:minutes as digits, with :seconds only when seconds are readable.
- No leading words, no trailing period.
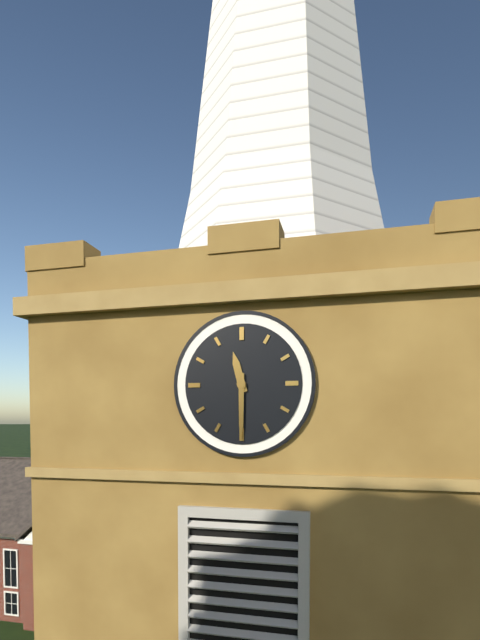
11:30
